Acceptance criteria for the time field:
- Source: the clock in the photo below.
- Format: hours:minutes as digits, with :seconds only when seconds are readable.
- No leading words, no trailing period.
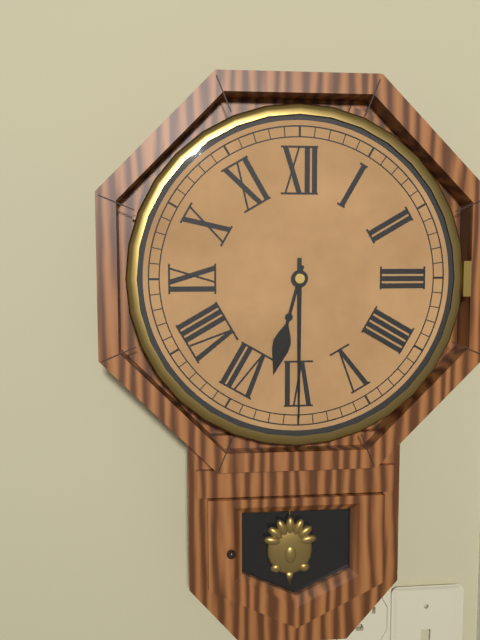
6:30
